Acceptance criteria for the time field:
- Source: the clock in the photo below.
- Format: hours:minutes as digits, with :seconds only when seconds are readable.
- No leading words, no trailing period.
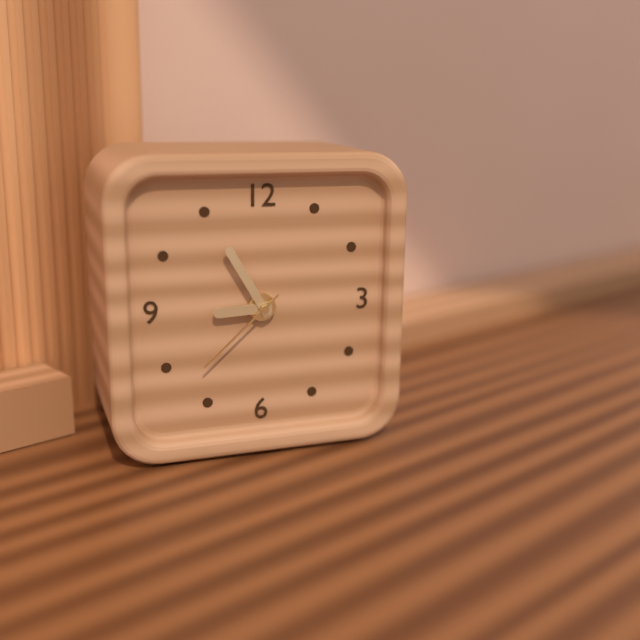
8:55:38
